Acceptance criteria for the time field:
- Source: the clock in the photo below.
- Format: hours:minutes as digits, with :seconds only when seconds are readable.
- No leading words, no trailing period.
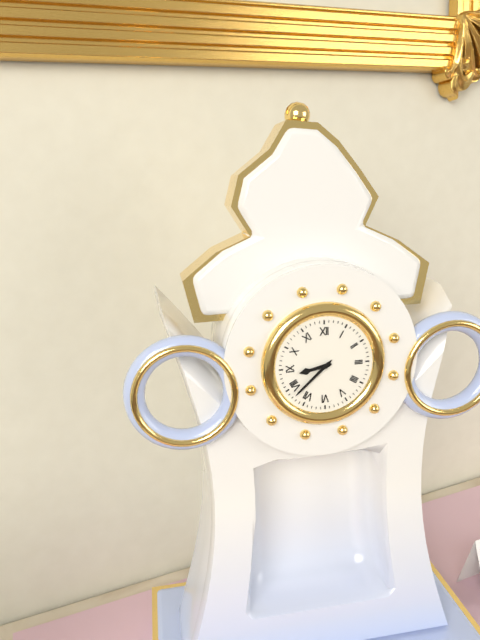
8:38
